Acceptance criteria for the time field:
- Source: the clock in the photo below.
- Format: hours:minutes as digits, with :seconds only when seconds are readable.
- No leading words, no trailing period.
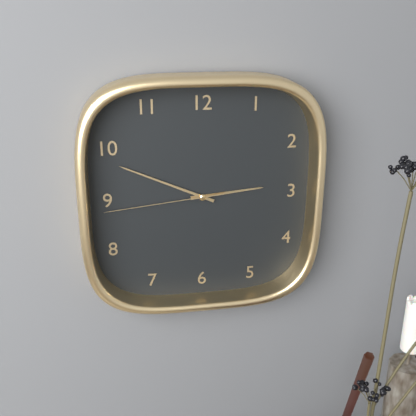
2:49:44
